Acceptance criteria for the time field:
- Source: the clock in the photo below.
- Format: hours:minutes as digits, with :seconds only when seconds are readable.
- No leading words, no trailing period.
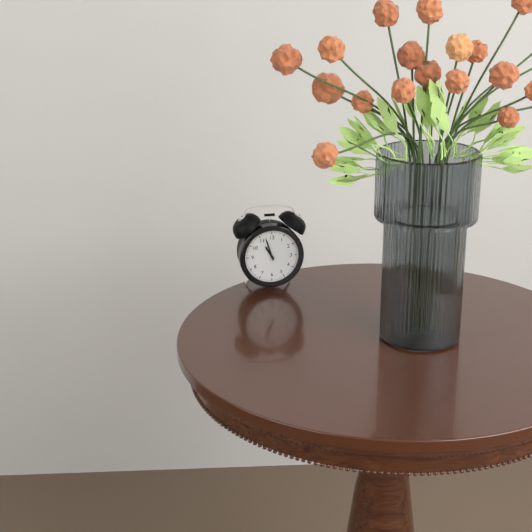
10:57
